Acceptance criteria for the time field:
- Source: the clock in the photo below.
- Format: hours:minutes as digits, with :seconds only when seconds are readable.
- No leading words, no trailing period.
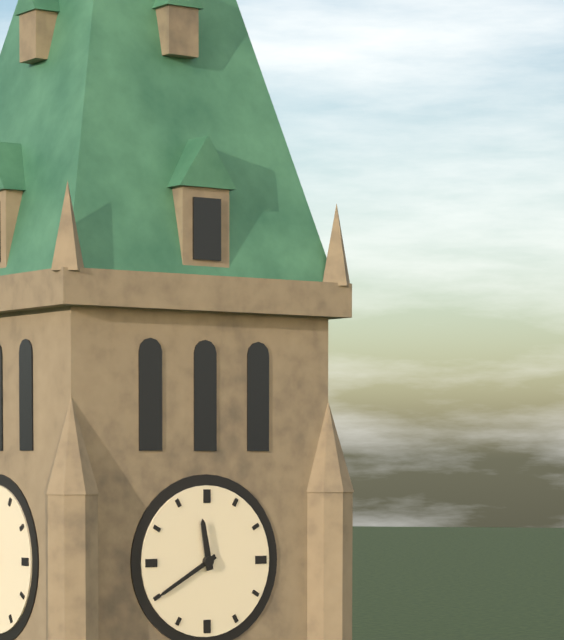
11:40
